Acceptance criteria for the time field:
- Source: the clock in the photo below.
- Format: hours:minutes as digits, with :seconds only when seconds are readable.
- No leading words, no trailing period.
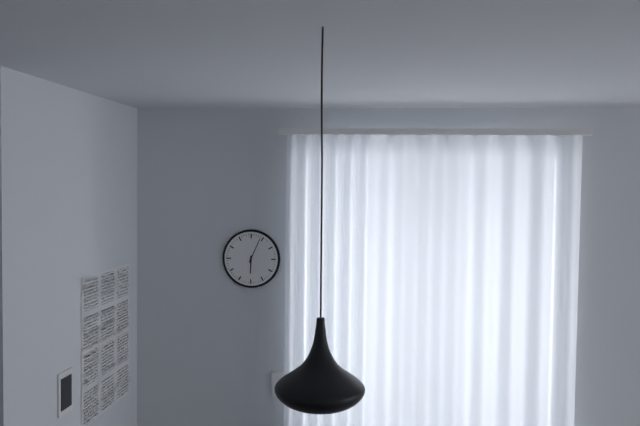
6:04
